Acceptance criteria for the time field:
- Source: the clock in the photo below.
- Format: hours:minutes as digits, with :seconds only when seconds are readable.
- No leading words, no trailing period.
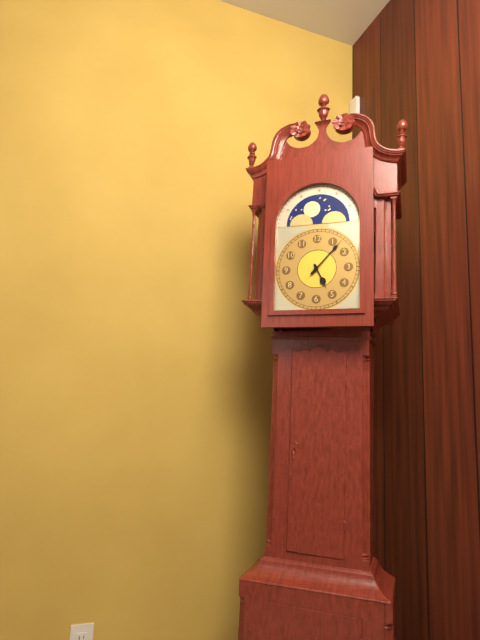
5:07
